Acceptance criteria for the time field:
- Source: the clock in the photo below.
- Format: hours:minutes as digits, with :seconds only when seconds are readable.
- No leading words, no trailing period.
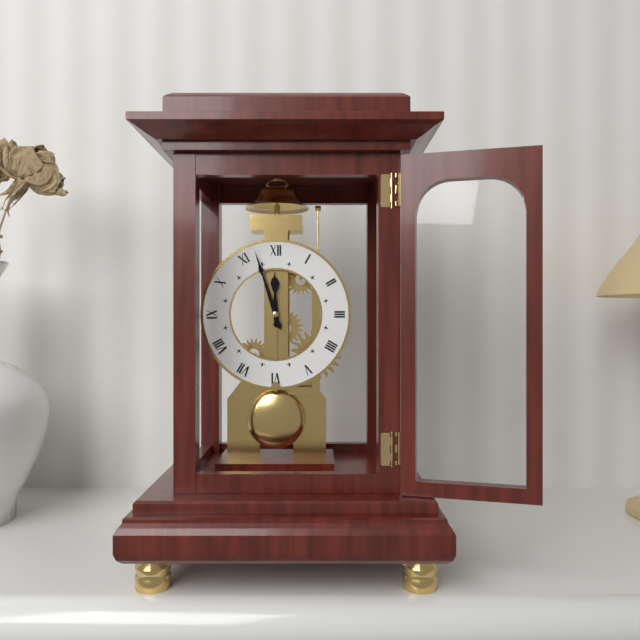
11:57
